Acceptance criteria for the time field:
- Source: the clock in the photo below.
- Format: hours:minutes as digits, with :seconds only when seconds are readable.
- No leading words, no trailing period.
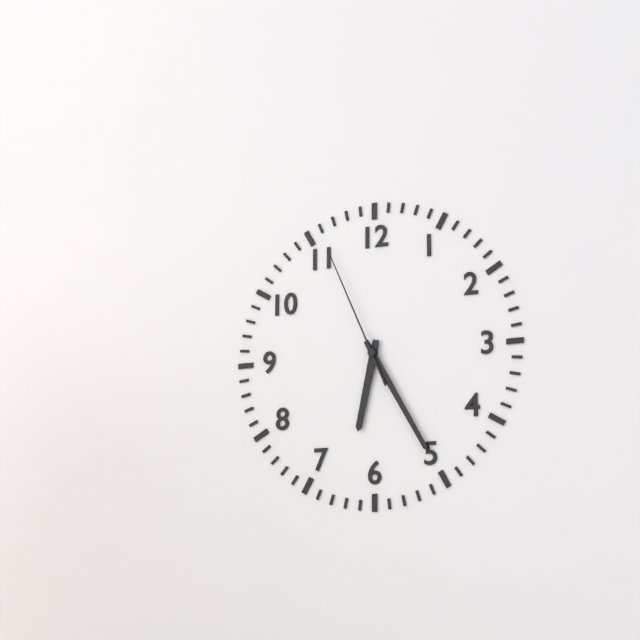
6:25:56
